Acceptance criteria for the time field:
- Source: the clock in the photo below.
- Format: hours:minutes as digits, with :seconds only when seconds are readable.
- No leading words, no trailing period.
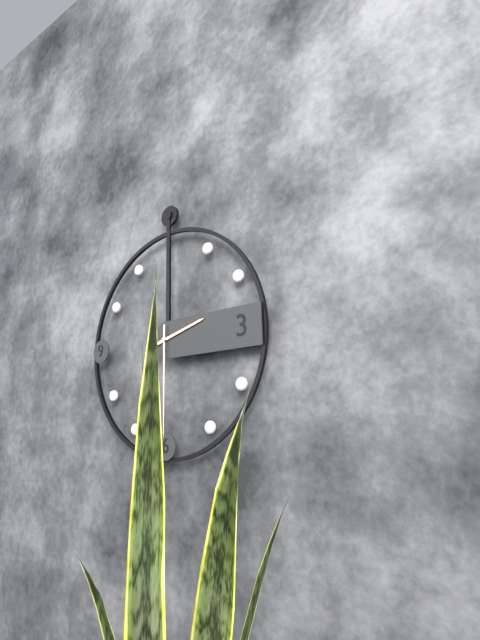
2:30
